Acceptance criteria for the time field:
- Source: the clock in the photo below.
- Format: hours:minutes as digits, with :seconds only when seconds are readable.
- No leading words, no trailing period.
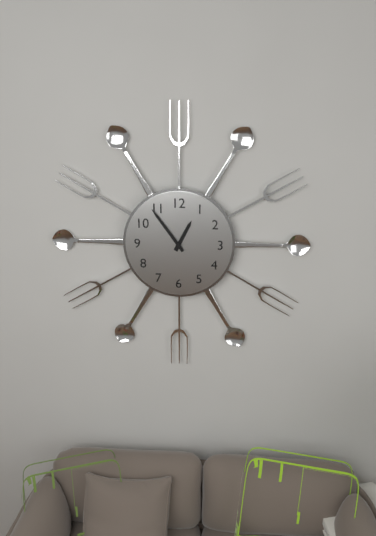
12:54
